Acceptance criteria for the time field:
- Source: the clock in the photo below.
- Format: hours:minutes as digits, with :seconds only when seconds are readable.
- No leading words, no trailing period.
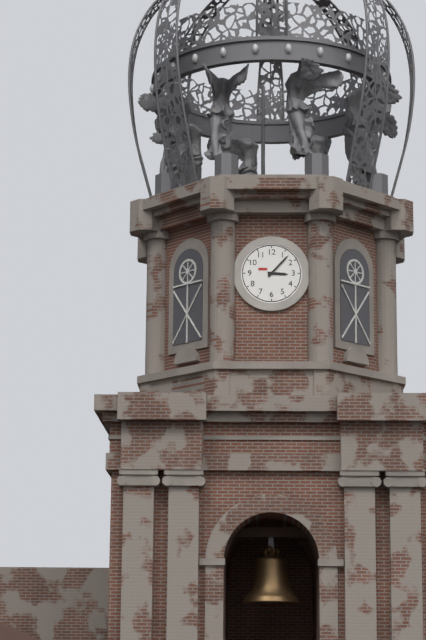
3:07
